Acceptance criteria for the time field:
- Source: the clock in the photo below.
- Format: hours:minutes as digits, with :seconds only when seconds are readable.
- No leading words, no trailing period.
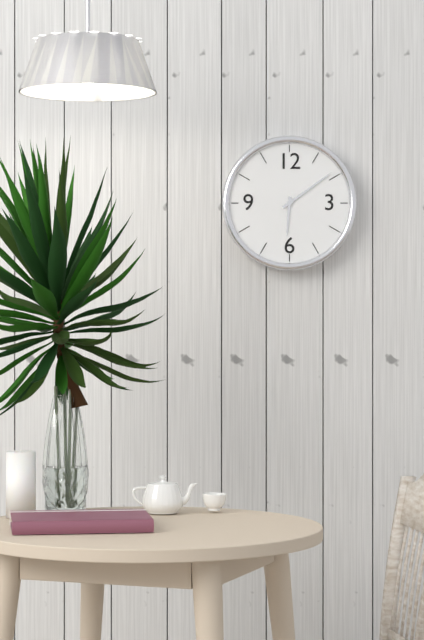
6:09
